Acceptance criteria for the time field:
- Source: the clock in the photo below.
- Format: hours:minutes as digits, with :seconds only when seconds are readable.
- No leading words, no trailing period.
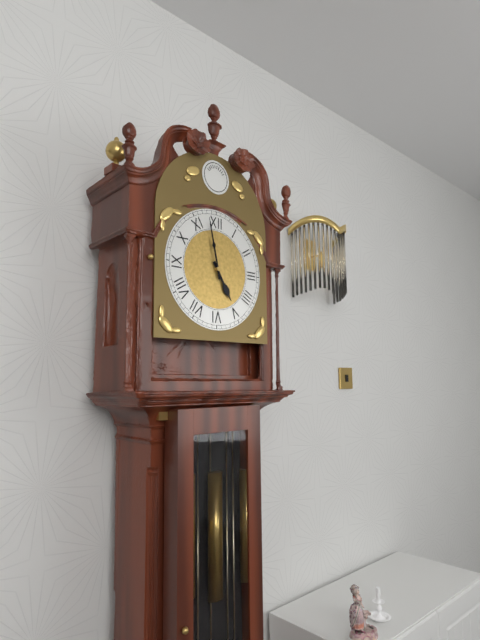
4:58
